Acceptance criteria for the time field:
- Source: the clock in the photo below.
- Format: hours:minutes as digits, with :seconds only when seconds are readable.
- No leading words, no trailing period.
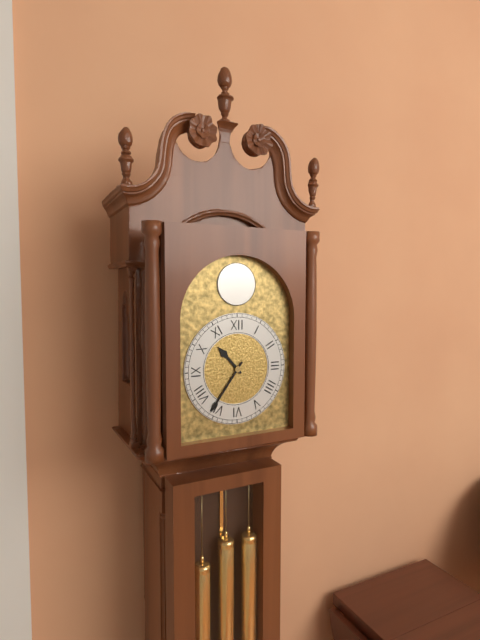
10:36
